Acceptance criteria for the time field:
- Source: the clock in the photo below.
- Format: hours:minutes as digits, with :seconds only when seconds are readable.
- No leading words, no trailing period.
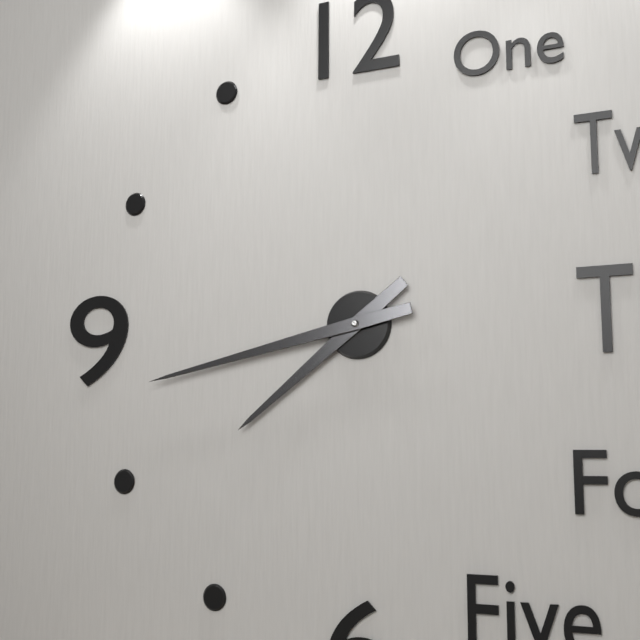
7:43
